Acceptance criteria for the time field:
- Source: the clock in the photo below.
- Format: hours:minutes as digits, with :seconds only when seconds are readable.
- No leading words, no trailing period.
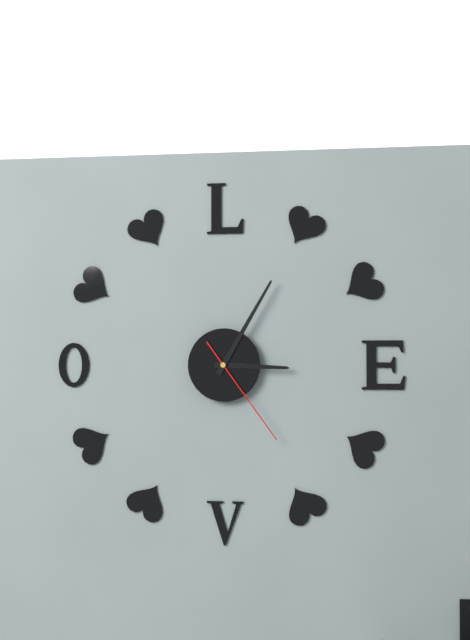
3:05:24
